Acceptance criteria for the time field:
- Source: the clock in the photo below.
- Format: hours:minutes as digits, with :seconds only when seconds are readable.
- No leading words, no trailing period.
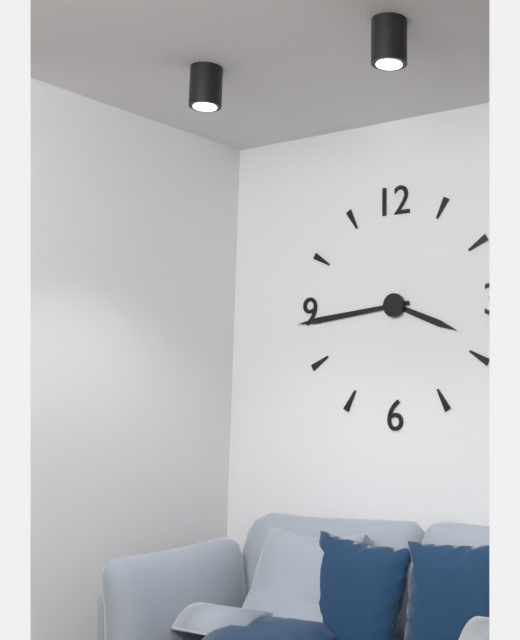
3:44
